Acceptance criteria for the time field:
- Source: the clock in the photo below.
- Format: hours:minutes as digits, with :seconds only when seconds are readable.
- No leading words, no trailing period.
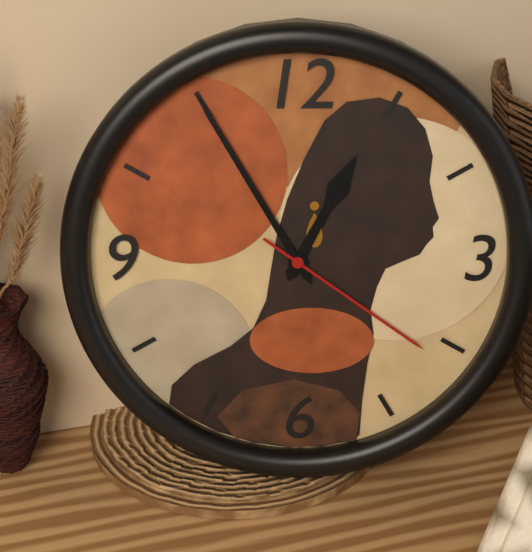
12:55:21
